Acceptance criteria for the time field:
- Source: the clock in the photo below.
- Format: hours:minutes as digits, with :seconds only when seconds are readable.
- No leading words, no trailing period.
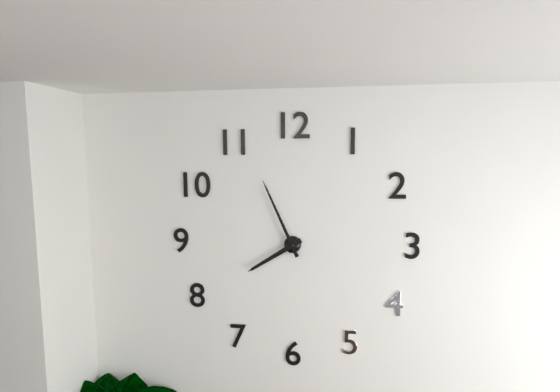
7:56
